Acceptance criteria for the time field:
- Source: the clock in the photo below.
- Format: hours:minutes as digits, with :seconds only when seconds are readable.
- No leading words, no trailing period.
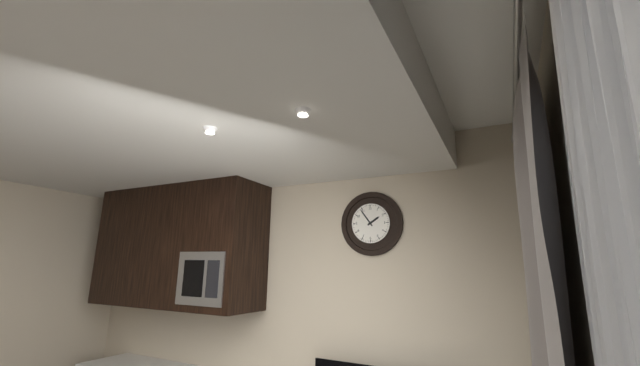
1:54
